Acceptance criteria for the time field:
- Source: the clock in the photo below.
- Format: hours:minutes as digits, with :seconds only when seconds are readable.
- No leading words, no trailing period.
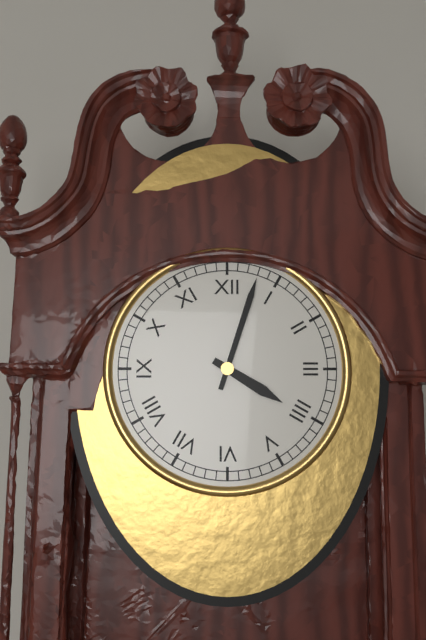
4:03
